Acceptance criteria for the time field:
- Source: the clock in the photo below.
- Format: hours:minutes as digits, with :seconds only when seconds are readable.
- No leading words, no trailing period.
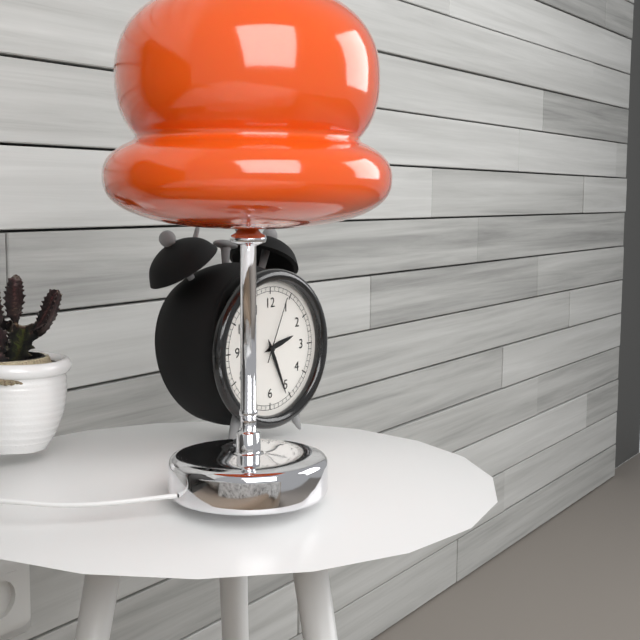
2:26:04
